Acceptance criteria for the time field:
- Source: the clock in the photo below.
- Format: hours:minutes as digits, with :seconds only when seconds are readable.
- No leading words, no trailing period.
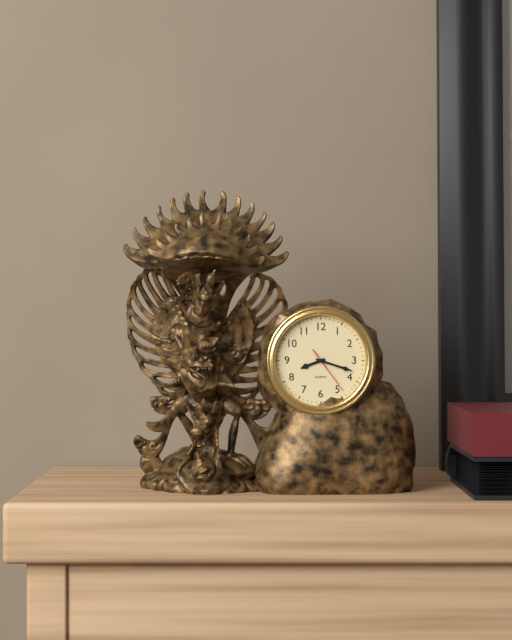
8:18
